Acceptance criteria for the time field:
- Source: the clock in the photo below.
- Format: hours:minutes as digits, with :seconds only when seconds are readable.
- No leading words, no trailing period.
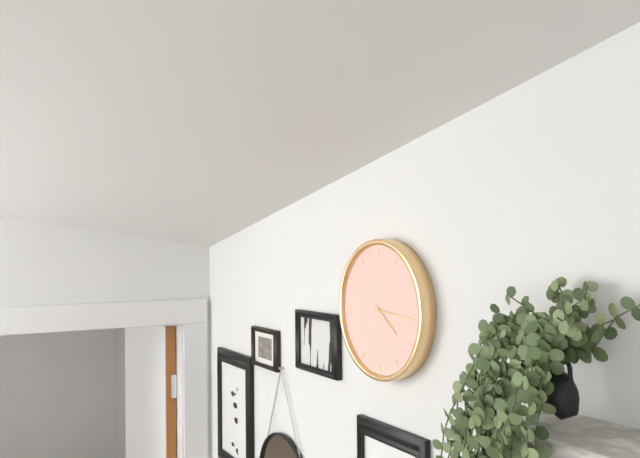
4:16
